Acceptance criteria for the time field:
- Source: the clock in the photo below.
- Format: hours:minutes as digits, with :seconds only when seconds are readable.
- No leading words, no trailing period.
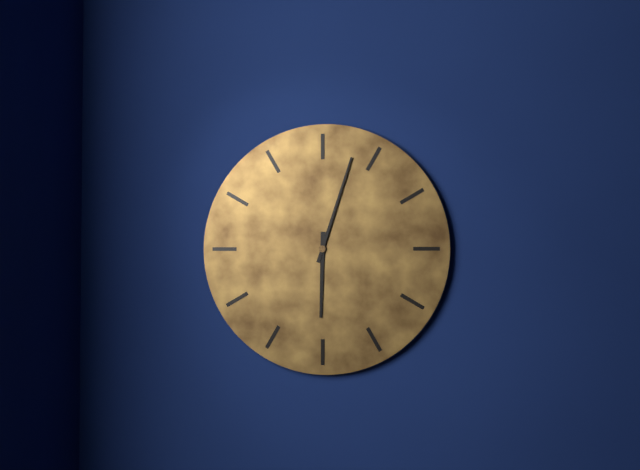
6:03
